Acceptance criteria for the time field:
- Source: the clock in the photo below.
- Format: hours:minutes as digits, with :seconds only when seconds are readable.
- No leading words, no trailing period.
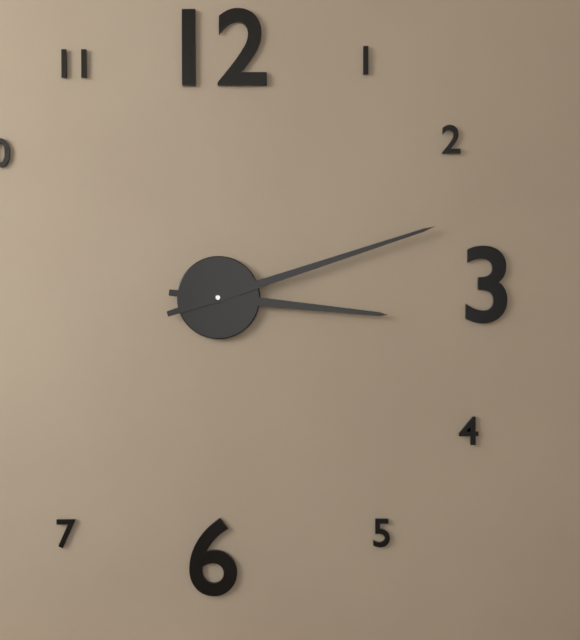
3:12
